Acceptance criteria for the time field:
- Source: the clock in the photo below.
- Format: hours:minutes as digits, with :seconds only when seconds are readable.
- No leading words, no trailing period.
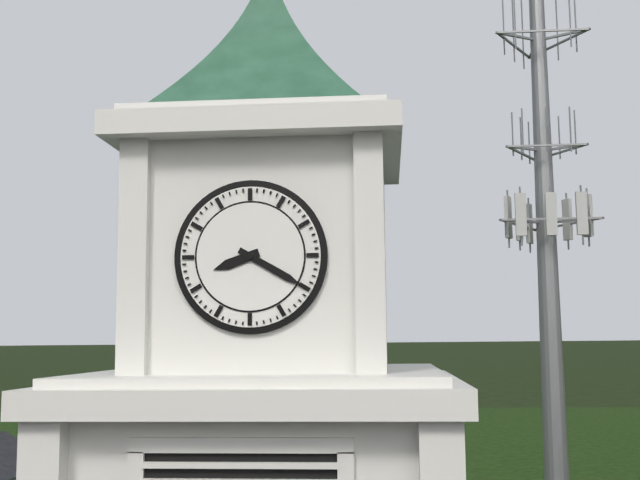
8:20
